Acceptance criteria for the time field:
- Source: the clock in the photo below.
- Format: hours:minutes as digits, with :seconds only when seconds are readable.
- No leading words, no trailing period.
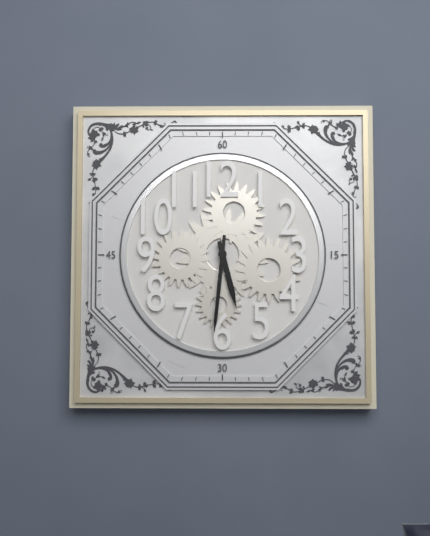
5:31
